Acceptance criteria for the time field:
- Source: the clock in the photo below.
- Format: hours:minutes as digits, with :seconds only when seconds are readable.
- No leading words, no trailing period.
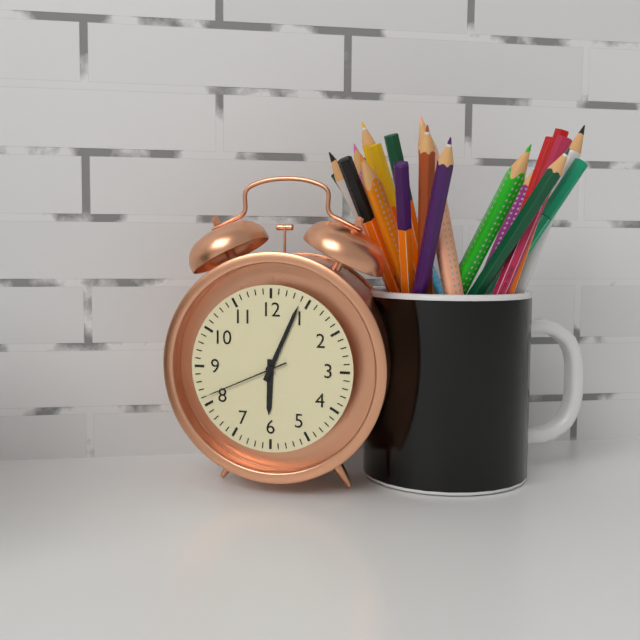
6:04:41
